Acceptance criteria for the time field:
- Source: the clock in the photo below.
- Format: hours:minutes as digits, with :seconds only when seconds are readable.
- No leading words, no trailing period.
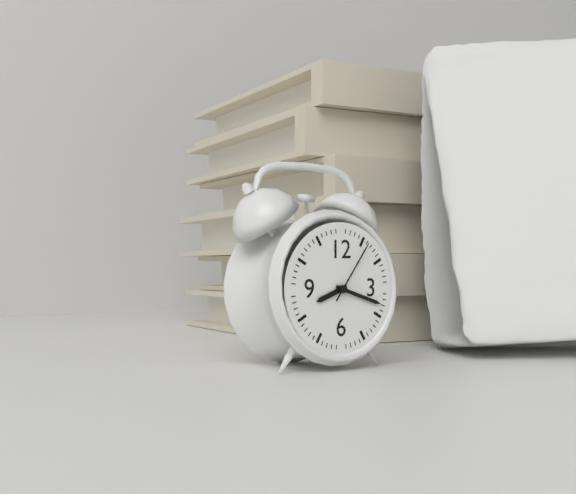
8:18:06
